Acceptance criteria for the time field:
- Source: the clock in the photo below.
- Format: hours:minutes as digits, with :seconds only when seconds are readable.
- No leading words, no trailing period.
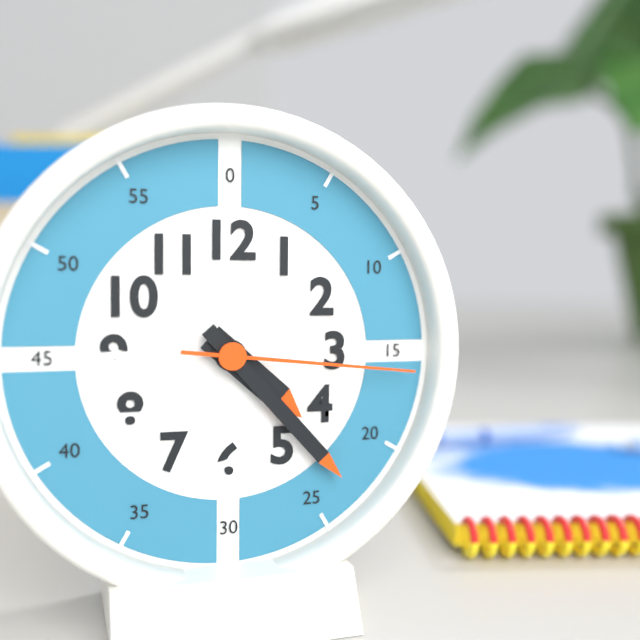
4:23:16
